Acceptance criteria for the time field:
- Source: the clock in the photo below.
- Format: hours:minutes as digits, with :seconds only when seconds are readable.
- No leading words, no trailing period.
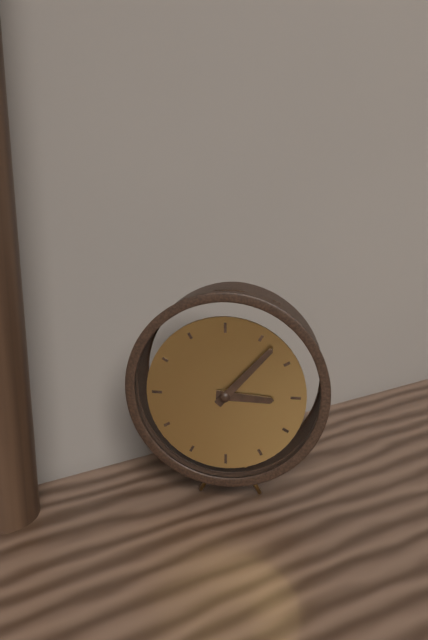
3:07
